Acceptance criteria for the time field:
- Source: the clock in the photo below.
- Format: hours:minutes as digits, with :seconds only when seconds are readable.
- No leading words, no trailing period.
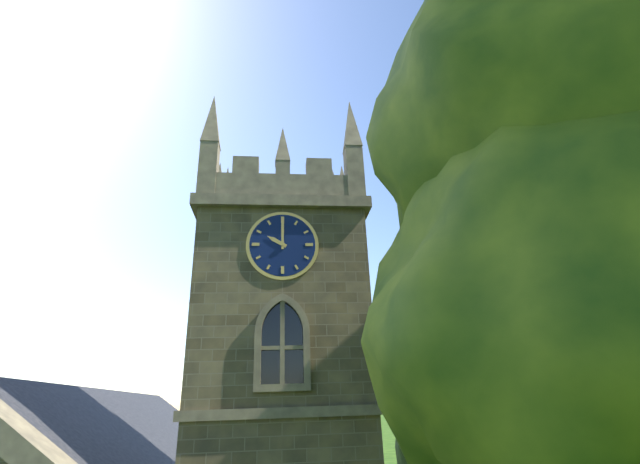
10:00
